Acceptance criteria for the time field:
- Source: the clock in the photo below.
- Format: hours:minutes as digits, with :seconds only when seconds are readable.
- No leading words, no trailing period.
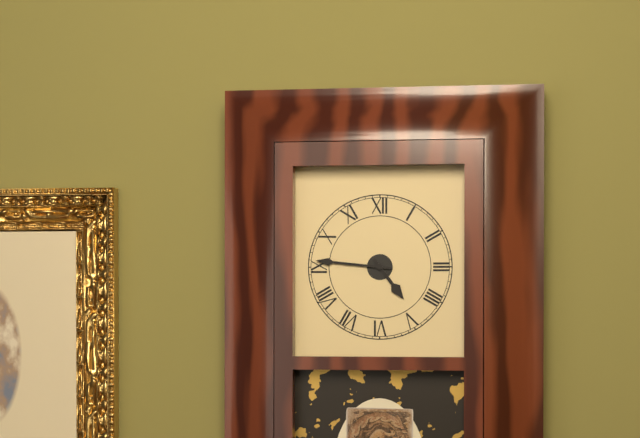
4:46
